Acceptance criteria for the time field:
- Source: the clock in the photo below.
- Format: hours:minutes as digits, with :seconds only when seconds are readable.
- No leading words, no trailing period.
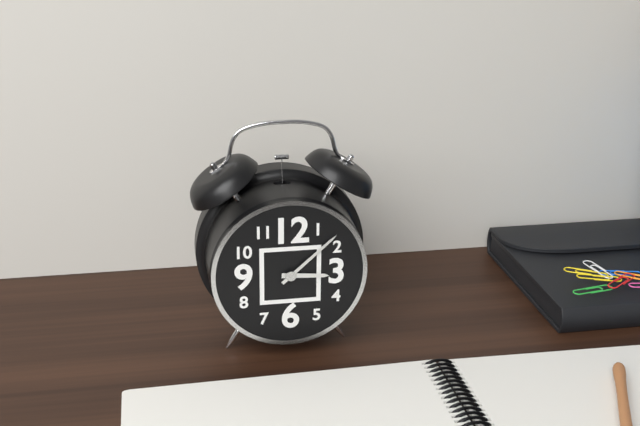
3:08
